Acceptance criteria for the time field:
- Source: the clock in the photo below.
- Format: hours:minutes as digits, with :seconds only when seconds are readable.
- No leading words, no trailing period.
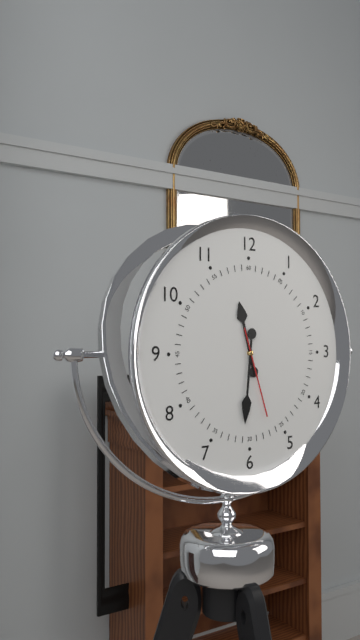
11:31:27
